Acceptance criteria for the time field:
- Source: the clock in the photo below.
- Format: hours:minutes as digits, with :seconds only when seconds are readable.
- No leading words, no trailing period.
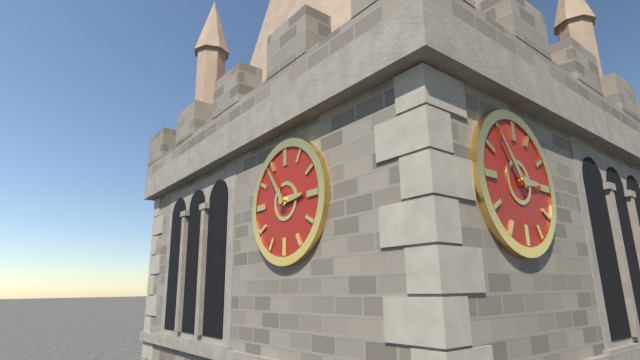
2:54
